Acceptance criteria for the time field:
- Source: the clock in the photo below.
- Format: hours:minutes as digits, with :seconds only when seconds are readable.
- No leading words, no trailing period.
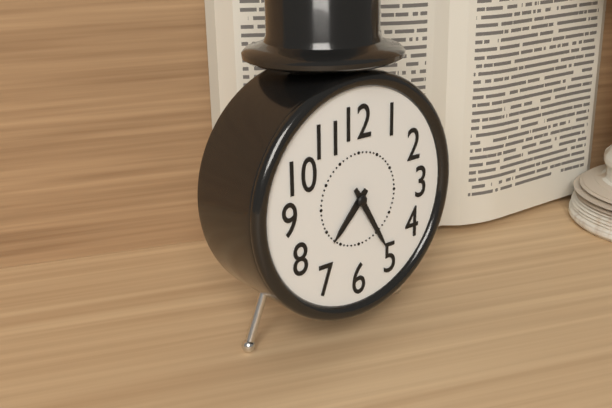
7:25
